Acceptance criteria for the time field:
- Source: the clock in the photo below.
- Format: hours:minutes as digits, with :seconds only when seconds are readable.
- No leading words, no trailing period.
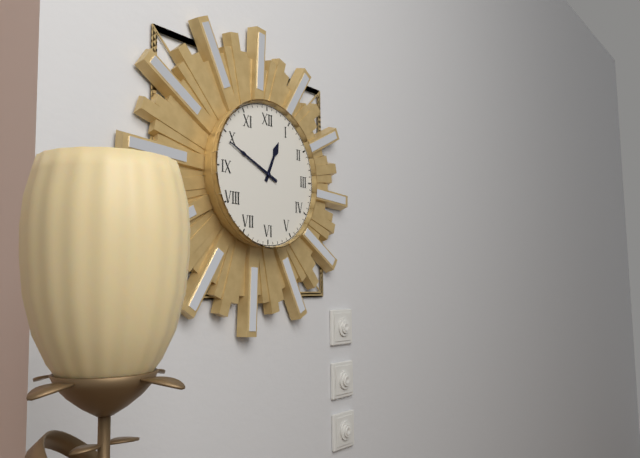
12:49
